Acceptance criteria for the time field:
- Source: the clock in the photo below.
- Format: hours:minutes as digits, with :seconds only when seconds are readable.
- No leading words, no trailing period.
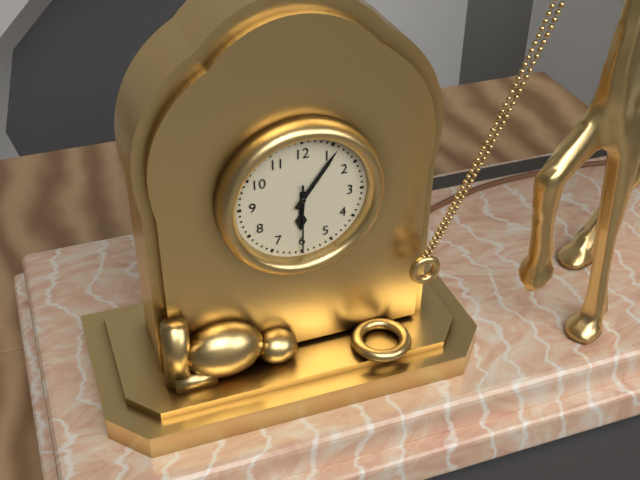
6:06:30
